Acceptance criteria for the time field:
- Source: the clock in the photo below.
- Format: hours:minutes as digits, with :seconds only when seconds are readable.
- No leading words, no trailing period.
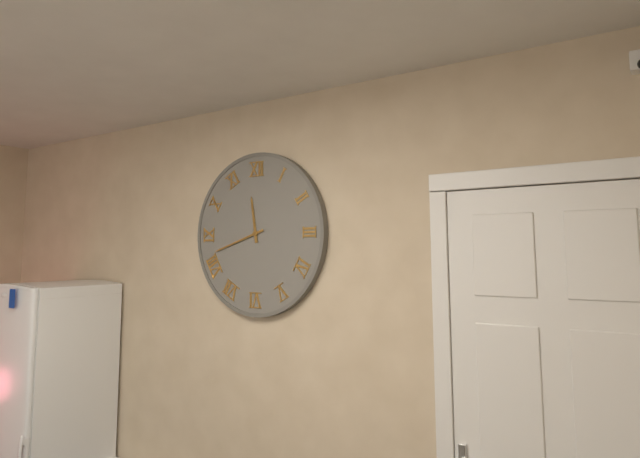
11:42
